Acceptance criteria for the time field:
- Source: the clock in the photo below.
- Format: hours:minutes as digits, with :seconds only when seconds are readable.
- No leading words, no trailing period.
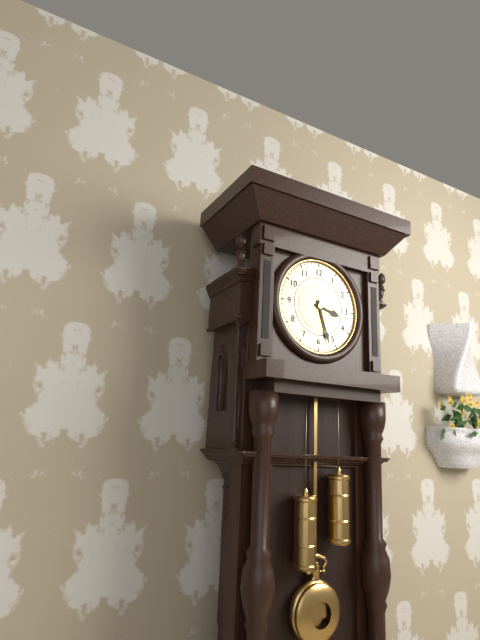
3:27
